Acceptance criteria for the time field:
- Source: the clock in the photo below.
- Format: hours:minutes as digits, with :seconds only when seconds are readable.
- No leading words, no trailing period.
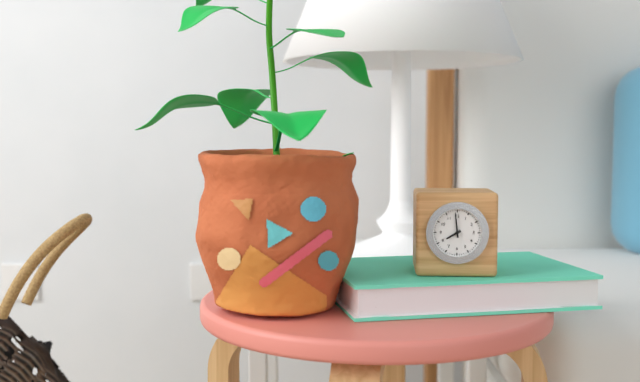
7:59
